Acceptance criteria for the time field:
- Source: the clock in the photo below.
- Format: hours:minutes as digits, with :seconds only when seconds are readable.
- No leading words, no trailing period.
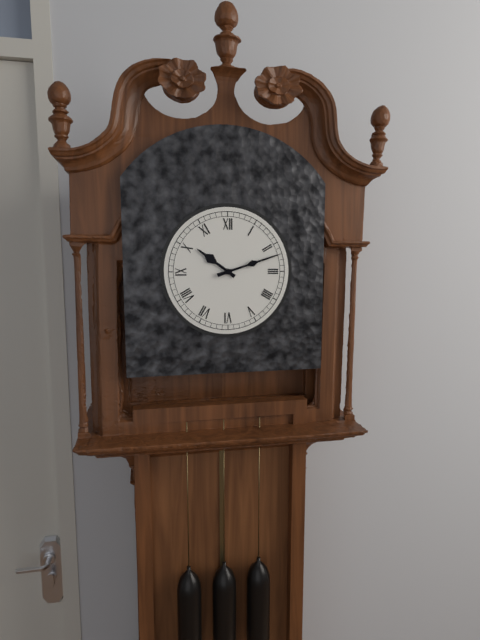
10:12
